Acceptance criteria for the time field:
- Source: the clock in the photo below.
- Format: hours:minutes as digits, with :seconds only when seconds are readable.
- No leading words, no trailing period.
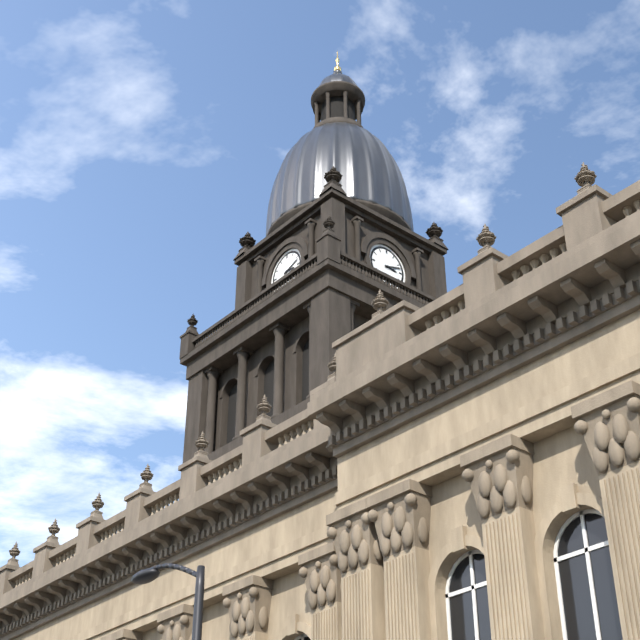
3:12
